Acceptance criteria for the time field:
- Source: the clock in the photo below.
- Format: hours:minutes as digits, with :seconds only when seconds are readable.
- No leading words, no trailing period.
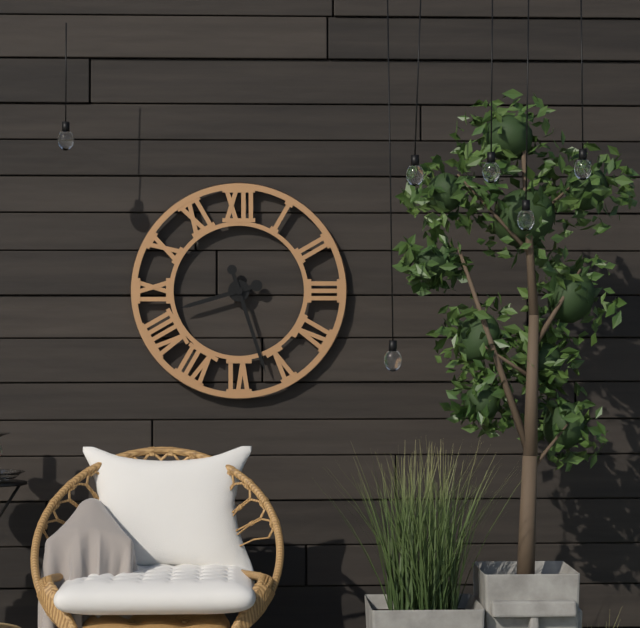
8:27
